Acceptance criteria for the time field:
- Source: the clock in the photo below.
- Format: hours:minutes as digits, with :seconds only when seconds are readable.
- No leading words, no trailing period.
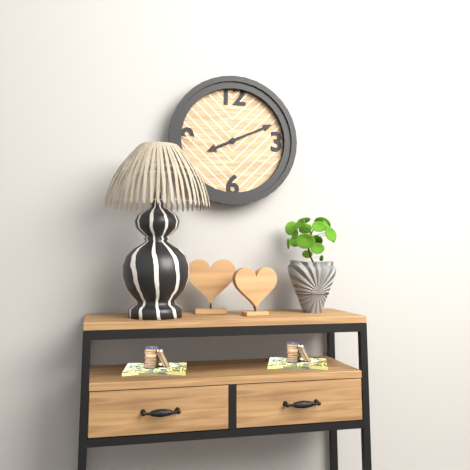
8:11
